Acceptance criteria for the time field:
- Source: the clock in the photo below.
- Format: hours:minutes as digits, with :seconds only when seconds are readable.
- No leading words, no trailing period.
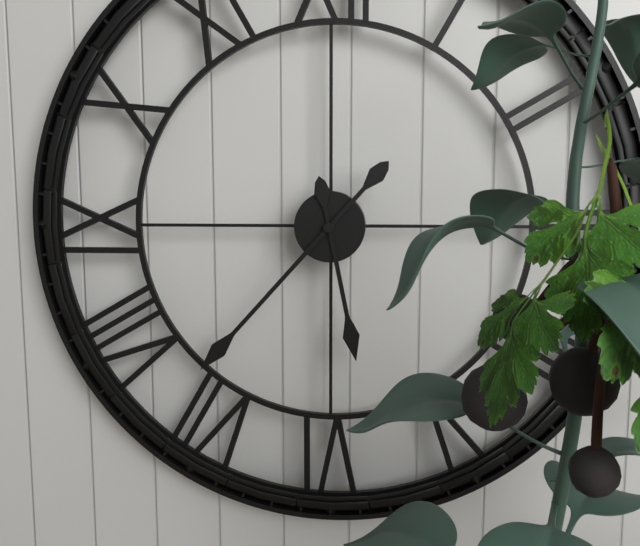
5:37
